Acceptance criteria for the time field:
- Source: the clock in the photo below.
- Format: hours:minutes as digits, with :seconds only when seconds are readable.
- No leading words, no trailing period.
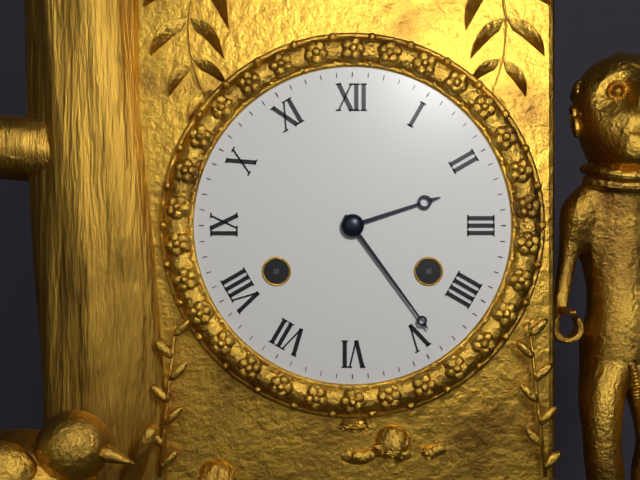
2:24
